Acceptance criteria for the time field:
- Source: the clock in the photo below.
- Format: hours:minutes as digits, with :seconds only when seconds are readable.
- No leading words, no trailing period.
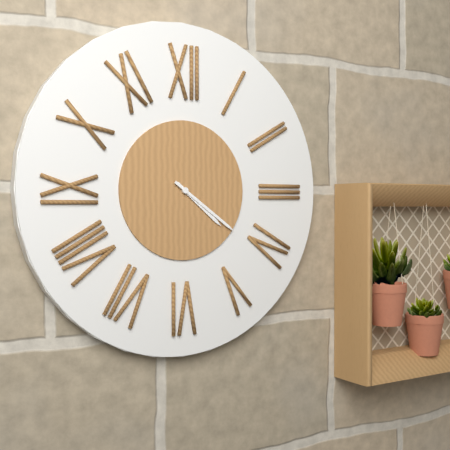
4:21
